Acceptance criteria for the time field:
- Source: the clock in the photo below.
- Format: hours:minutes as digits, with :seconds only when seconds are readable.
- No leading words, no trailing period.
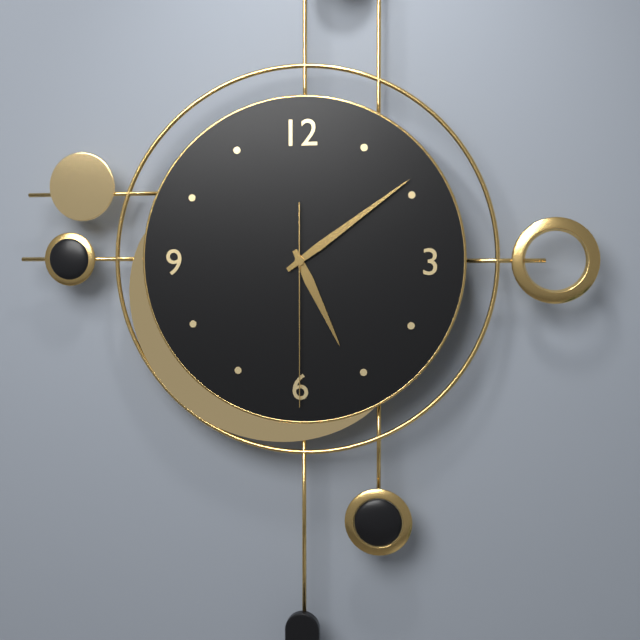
5:09:30
